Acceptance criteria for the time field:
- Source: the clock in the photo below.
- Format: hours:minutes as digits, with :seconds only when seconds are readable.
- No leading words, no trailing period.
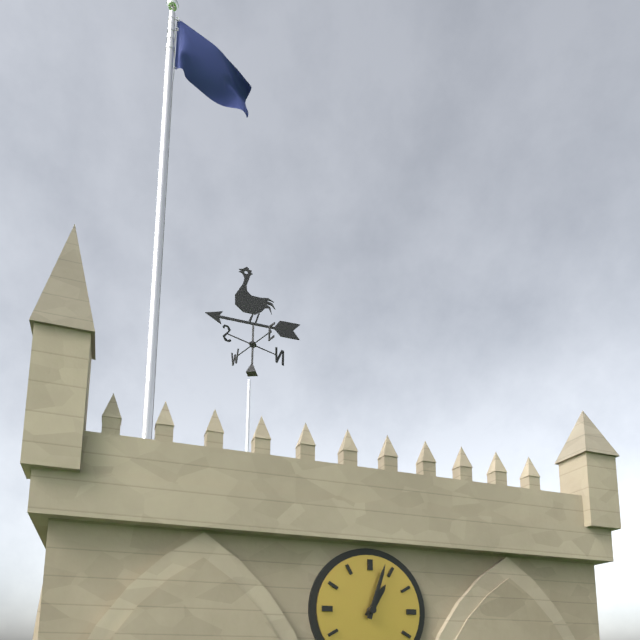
1:03
